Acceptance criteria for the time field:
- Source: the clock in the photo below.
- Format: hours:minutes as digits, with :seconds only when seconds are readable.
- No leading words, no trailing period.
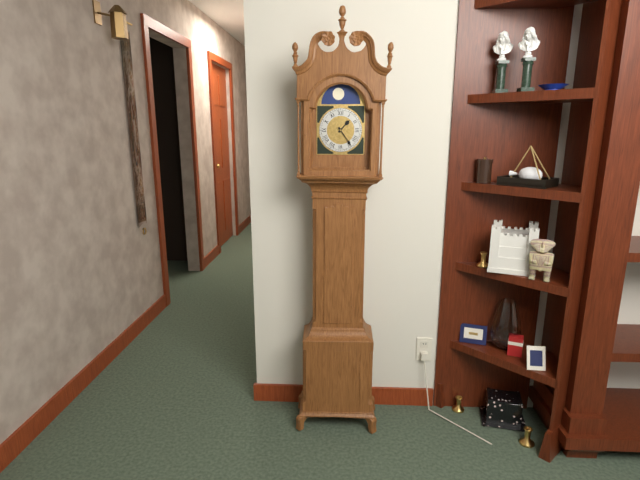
1:24
